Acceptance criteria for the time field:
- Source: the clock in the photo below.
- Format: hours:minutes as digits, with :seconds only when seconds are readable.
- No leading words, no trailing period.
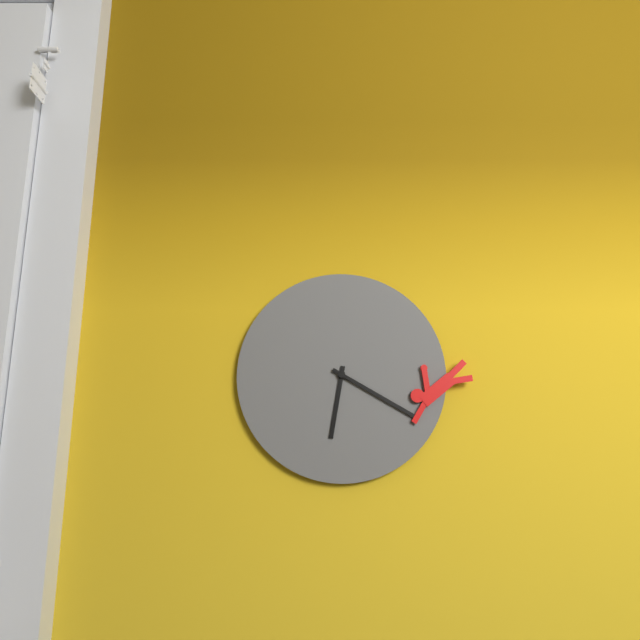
6:20
